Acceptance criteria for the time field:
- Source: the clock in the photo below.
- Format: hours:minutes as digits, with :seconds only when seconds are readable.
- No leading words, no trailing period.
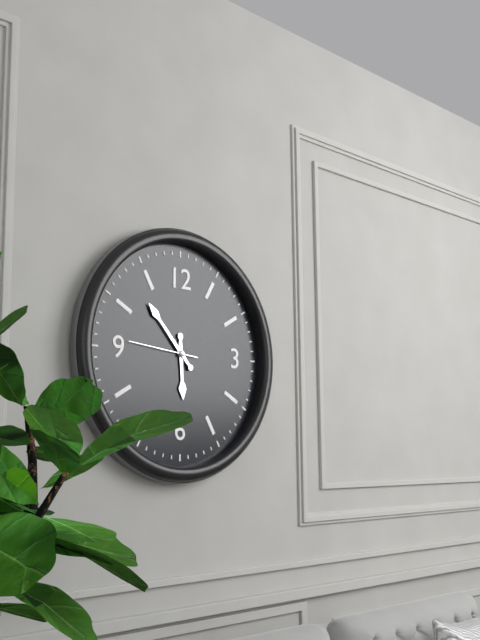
5:53:46
